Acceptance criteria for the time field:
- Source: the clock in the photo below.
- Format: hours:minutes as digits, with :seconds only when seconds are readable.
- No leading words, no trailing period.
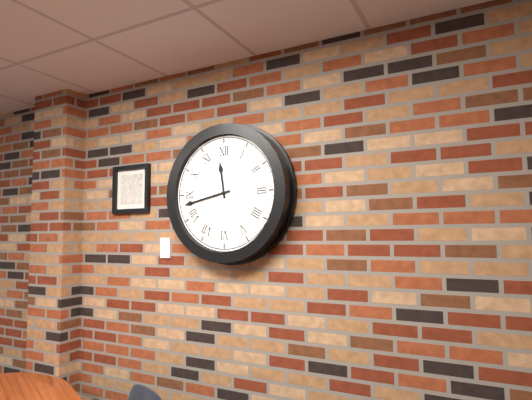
11:43
